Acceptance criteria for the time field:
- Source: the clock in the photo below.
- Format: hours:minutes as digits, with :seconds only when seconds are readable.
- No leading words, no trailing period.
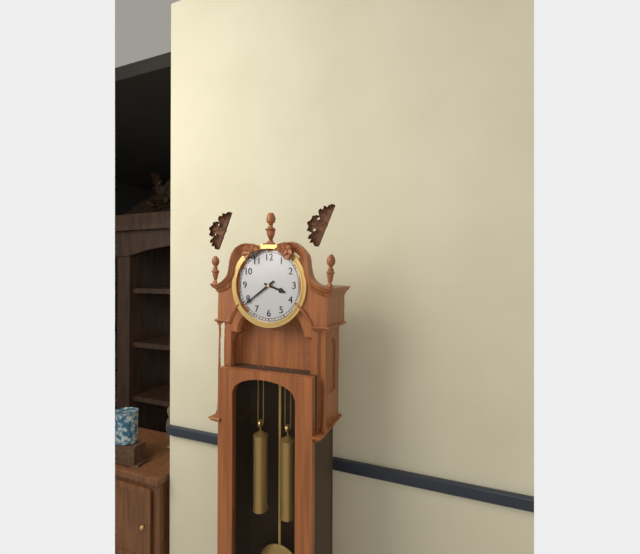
3:39
